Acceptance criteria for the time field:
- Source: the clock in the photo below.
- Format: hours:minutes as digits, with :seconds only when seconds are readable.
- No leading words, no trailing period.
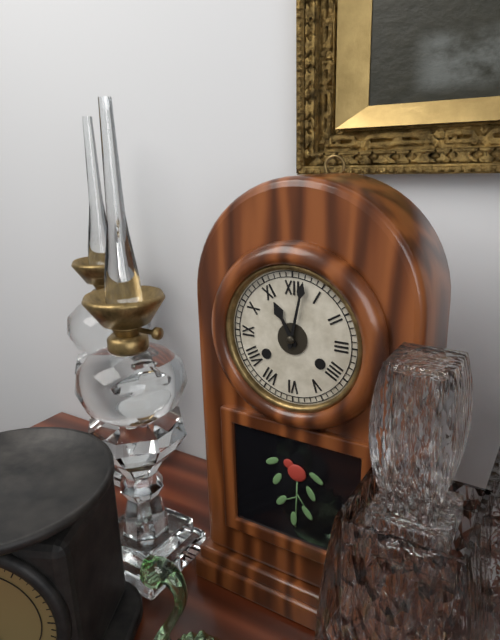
11:02
